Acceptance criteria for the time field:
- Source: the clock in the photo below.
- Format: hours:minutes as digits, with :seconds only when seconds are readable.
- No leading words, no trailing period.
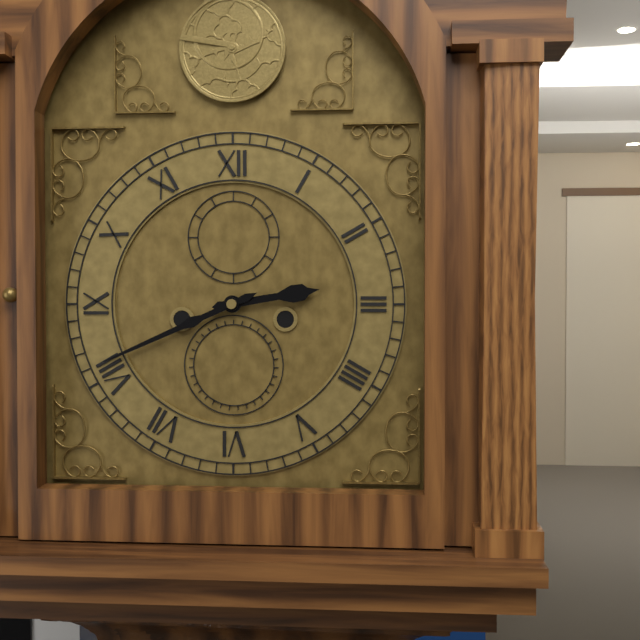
2:41
